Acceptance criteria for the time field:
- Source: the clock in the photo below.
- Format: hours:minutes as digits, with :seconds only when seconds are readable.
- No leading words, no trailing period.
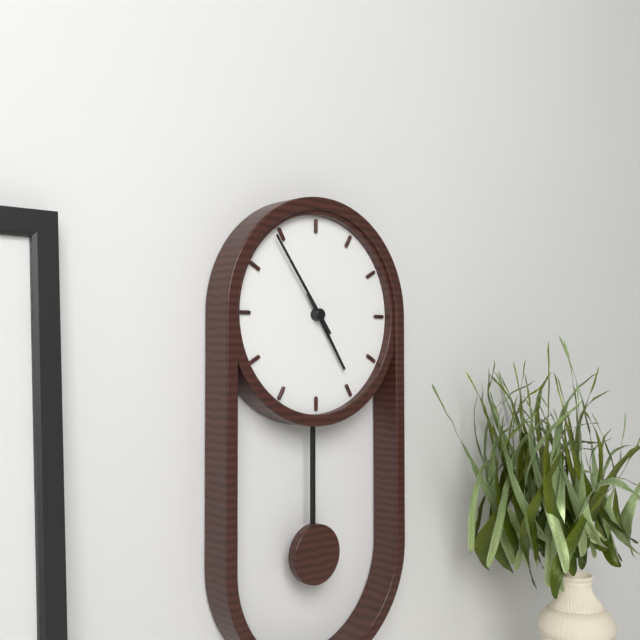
4:54
